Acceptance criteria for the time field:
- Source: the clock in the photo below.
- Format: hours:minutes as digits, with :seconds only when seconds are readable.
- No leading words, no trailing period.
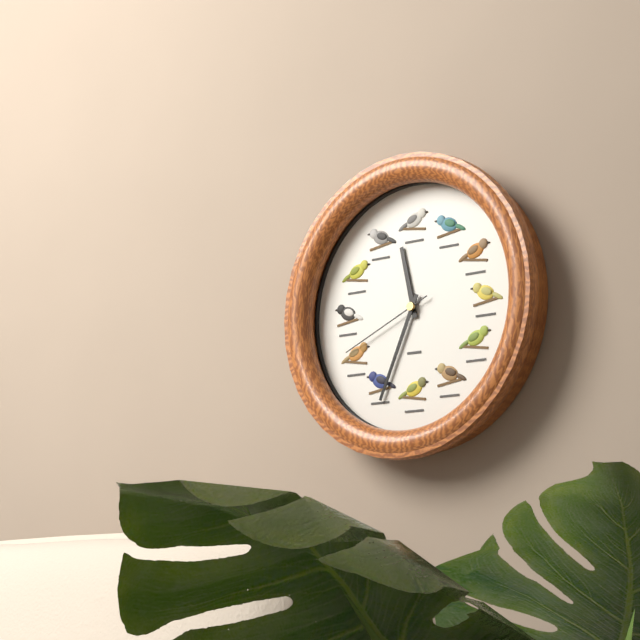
11:34:41
